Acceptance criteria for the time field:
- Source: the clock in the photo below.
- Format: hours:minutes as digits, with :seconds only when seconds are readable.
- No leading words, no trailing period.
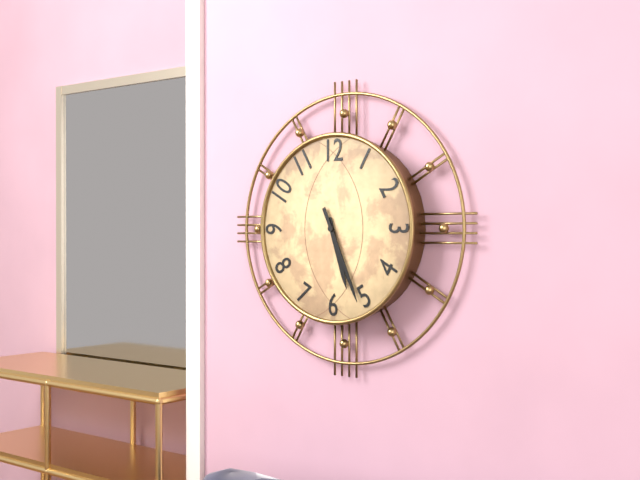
5:26
